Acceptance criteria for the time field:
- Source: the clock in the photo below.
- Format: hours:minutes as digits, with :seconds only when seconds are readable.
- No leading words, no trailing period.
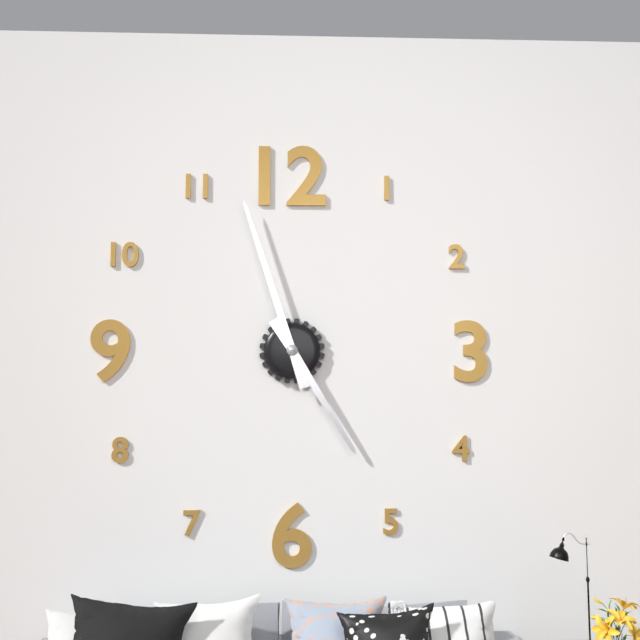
4:57
